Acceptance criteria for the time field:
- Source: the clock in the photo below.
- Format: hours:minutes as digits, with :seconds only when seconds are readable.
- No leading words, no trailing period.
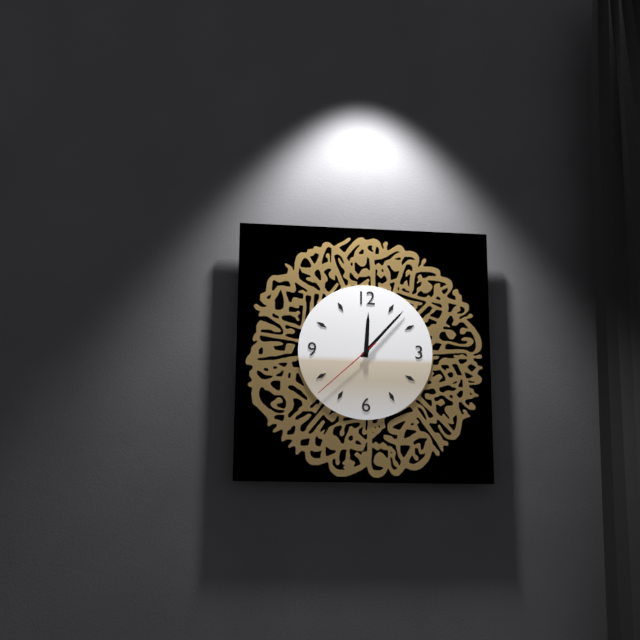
12:07:38
